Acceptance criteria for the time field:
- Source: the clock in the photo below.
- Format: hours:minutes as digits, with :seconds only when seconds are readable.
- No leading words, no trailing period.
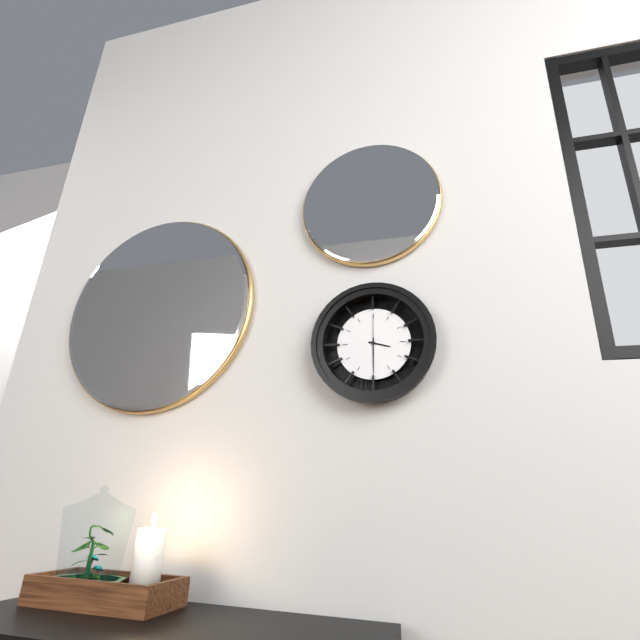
3:30
